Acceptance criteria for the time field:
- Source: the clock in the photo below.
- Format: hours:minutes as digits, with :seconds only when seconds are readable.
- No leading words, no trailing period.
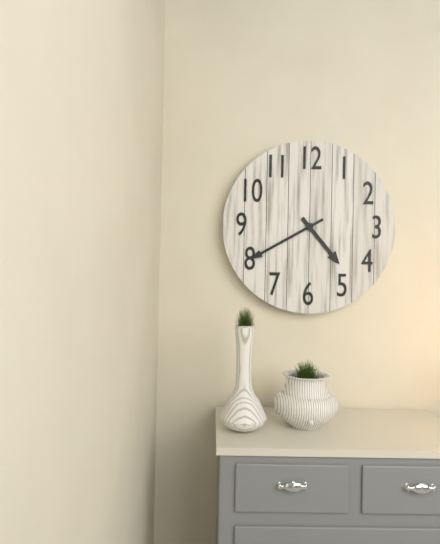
4:40
